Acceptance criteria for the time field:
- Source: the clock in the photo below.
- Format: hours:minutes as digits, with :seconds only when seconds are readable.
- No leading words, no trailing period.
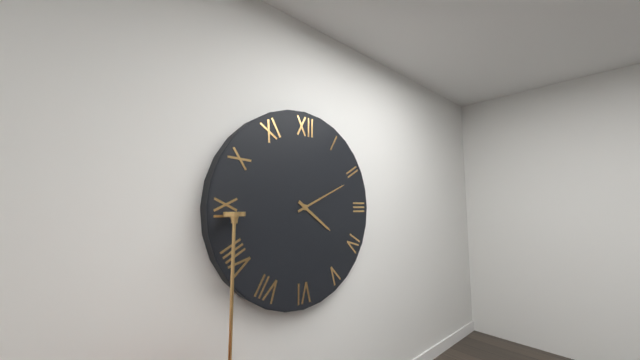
4:11
